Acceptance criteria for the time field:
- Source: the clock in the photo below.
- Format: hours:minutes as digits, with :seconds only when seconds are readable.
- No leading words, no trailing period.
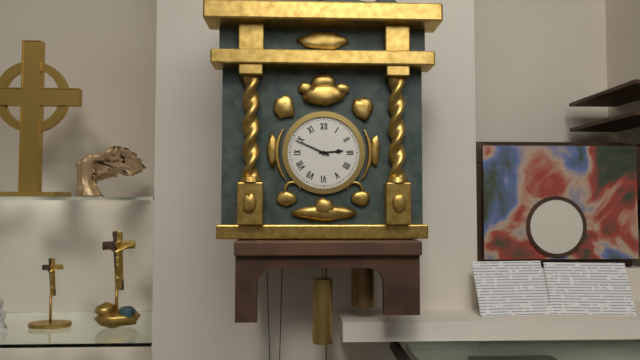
2:49
